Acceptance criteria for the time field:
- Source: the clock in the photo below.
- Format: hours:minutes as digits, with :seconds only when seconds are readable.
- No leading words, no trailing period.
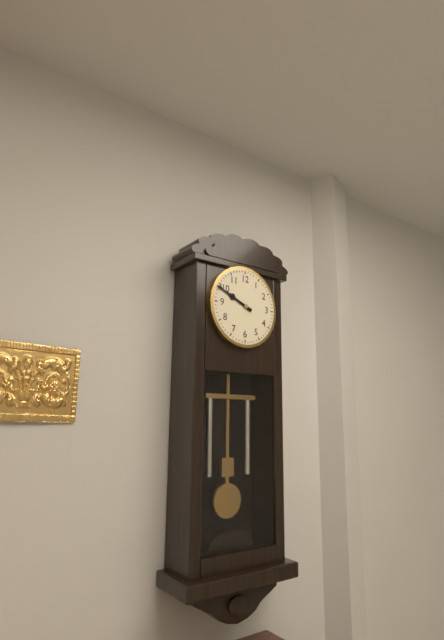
9:49
